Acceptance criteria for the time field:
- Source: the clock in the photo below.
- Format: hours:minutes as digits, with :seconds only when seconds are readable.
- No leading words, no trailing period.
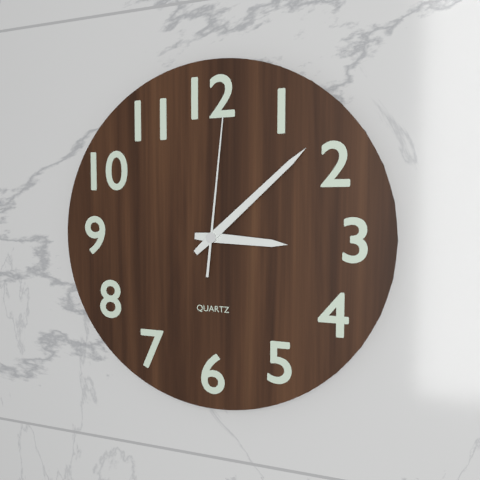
3:08:01
